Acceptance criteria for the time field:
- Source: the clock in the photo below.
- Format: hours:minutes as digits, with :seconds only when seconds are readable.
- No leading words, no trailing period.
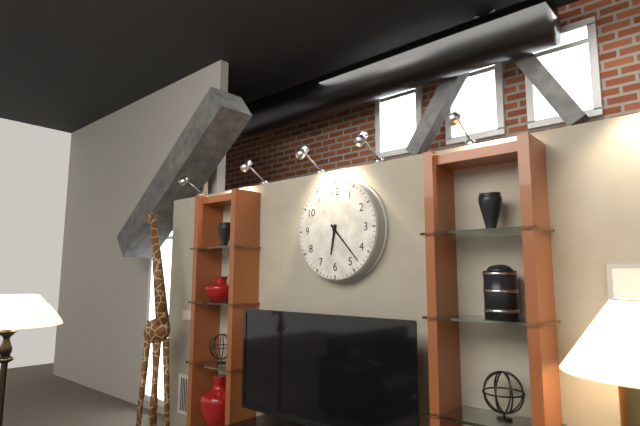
6:23
